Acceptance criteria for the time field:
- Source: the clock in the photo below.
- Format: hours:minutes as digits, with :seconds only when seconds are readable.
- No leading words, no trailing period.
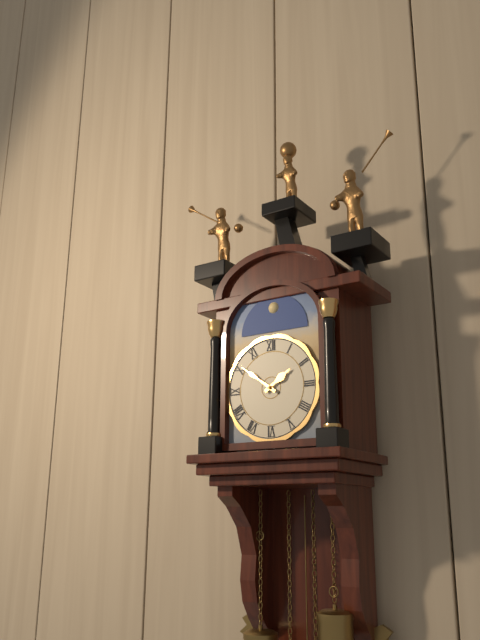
1:51
